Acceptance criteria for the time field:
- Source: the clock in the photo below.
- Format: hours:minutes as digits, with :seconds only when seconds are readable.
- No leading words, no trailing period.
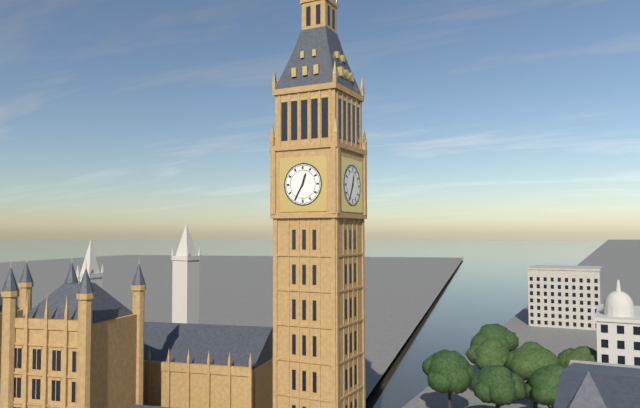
12:35
